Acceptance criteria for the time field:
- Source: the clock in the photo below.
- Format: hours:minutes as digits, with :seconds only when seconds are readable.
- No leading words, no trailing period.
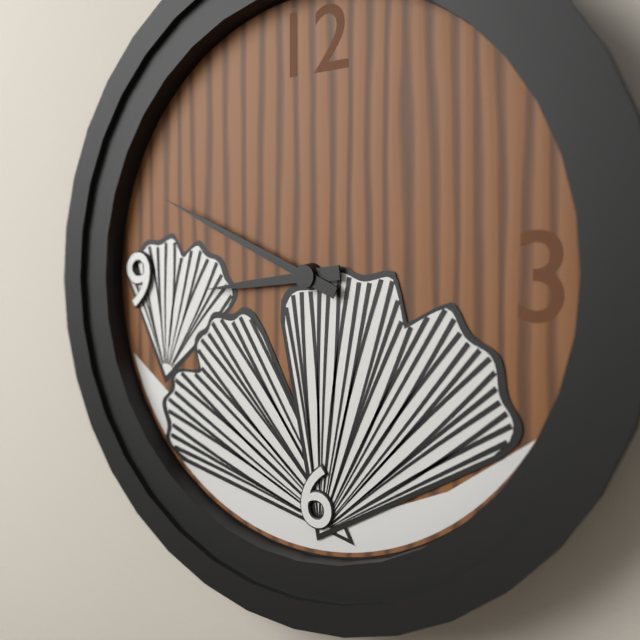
8:49
